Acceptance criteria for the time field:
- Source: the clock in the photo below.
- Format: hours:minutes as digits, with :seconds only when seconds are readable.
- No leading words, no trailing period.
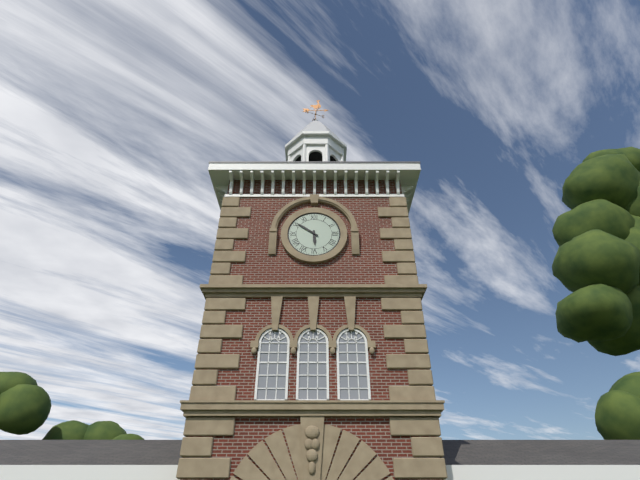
5:51
